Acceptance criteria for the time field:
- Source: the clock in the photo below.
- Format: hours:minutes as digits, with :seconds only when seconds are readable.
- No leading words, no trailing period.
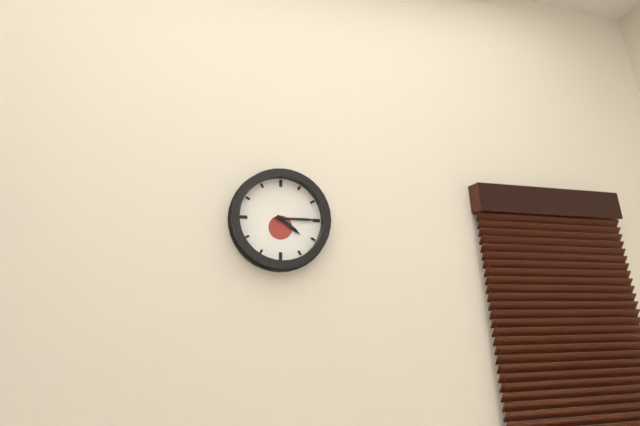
4:15
